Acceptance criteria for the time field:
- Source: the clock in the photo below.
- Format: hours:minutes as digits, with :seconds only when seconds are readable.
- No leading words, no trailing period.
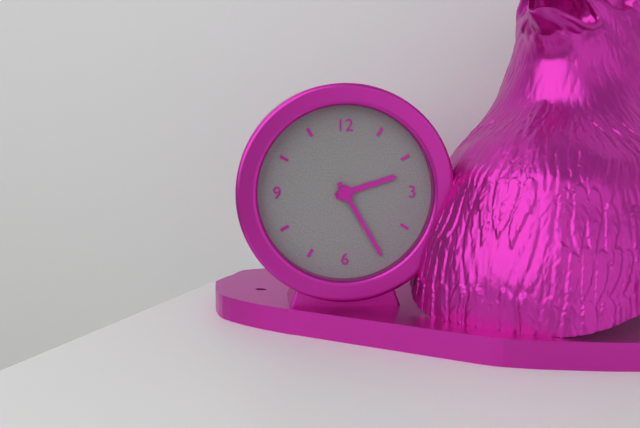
2:25
